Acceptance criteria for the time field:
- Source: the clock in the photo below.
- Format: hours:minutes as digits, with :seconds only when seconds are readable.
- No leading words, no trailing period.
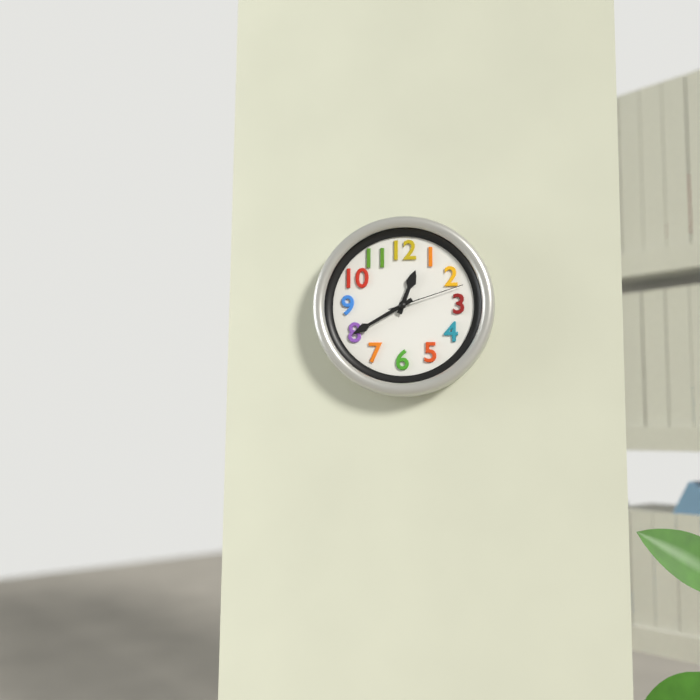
12:40:12
